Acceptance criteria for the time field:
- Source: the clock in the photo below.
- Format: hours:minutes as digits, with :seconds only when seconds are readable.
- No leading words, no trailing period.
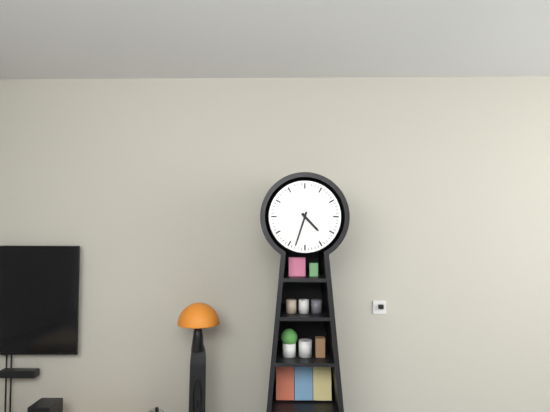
4:33
